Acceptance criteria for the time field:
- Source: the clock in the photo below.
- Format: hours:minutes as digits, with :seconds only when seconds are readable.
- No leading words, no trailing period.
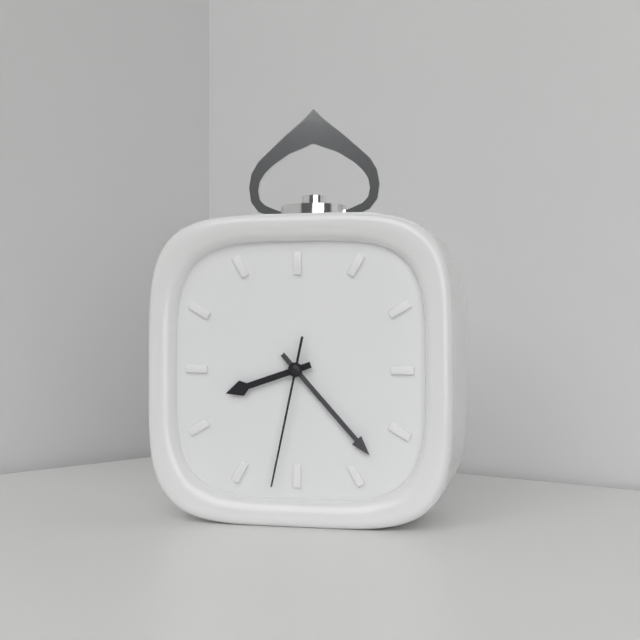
8:23:32
